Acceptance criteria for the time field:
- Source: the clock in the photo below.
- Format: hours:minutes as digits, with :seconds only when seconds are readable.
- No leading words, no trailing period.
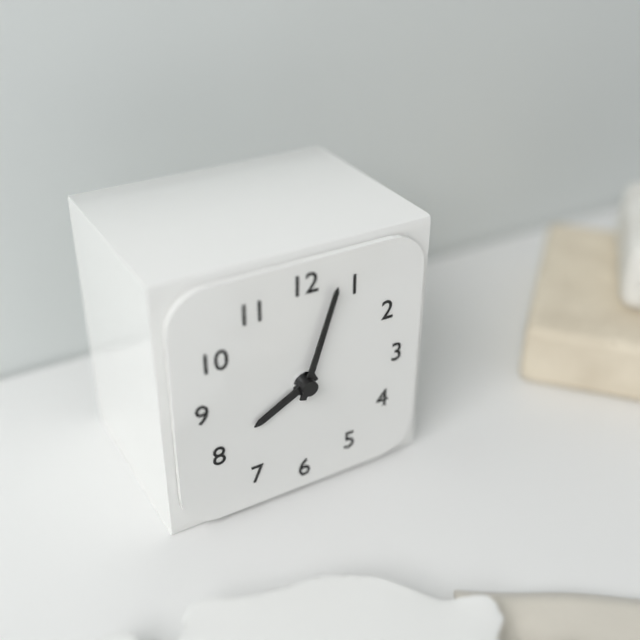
8:03
